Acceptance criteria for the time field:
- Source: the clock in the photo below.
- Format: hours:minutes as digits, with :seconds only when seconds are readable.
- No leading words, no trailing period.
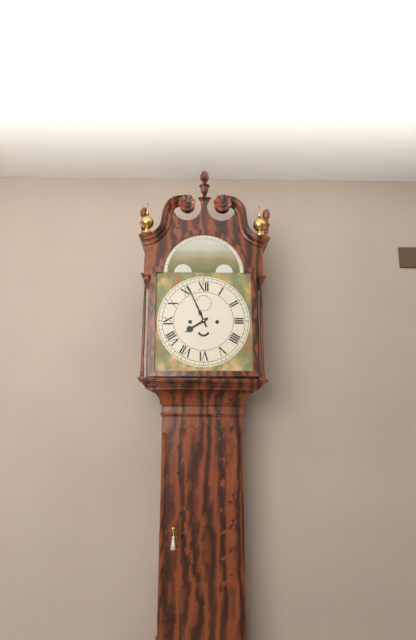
7:56
